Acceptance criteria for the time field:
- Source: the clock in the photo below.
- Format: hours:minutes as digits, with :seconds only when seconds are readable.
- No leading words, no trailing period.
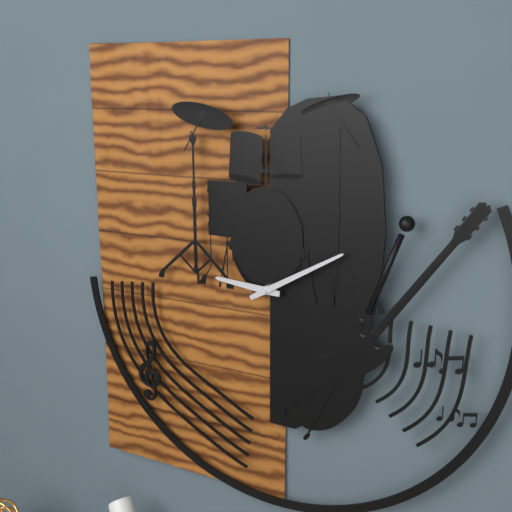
9:10
